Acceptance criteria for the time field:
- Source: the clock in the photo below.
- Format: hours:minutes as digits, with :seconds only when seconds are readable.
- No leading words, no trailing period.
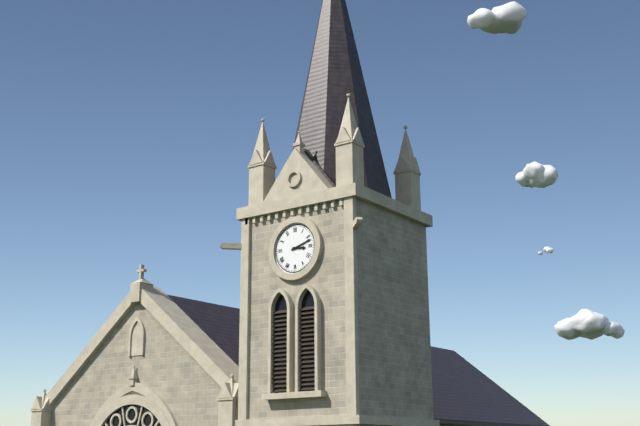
3:12
